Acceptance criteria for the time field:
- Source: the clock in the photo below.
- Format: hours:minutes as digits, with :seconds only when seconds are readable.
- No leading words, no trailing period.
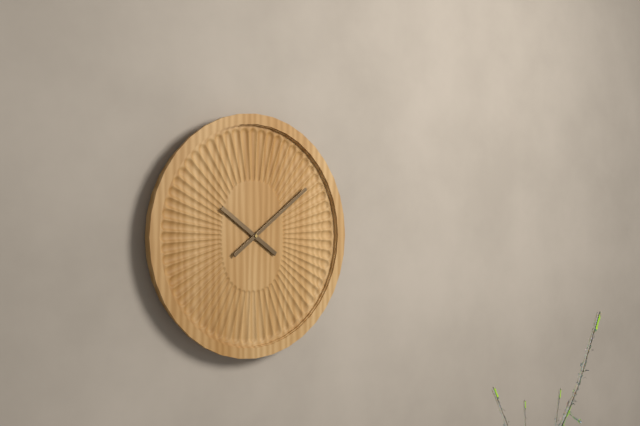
10:09
